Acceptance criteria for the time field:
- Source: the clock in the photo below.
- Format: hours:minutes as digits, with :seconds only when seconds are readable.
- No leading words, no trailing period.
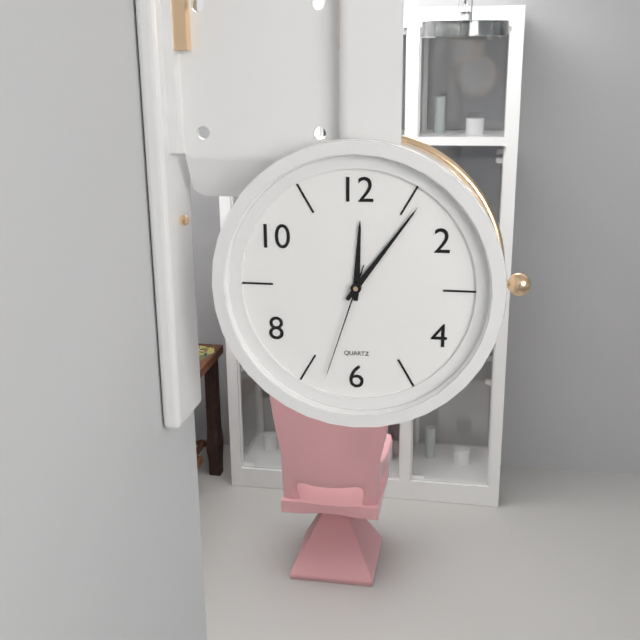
12:06:33
